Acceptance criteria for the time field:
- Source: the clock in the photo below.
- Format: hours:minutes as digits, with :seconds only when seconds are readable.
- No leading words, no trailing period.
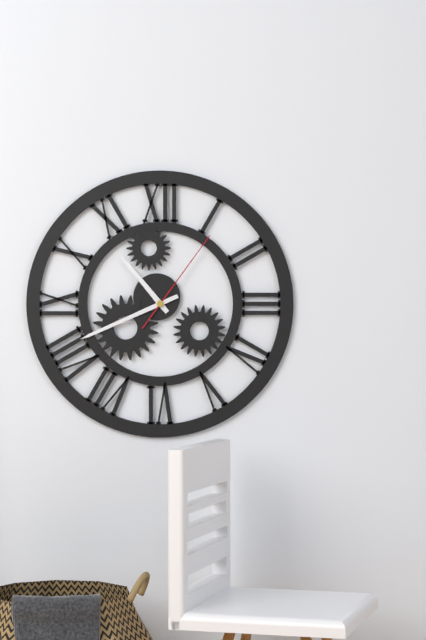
10:41:06
